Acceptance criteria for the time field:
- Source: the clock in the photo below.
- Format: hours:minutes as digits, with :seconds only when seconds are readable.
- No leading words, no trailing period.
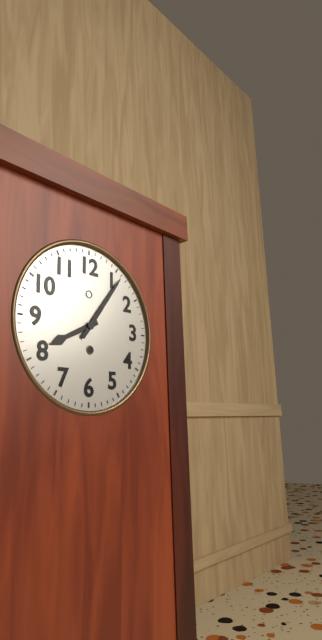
8:06
